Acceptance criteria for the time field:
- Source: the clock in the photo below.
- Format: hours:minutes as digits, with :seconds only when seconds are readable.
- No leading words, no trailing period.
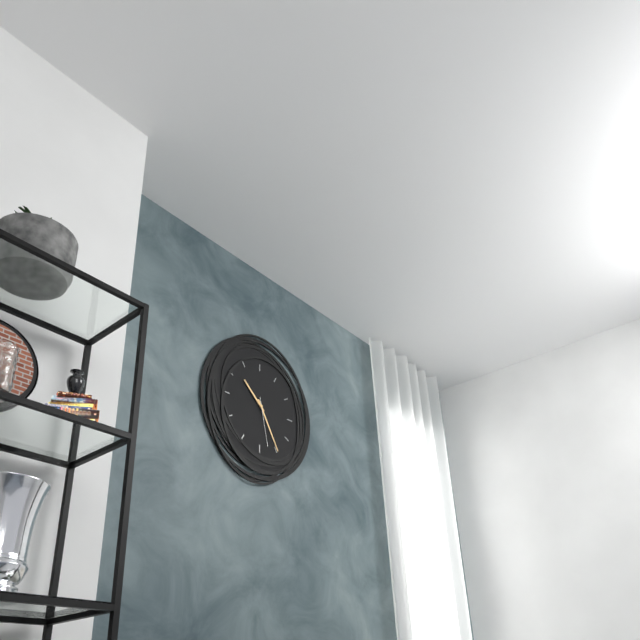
10:25:28
